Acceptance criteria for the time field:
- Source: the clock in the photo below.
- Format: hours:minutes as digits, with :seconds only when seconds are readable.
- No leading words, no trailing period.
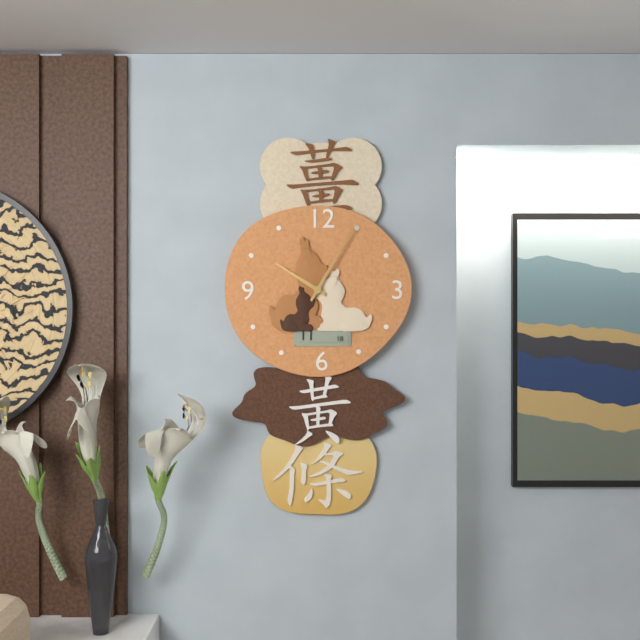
10:05
